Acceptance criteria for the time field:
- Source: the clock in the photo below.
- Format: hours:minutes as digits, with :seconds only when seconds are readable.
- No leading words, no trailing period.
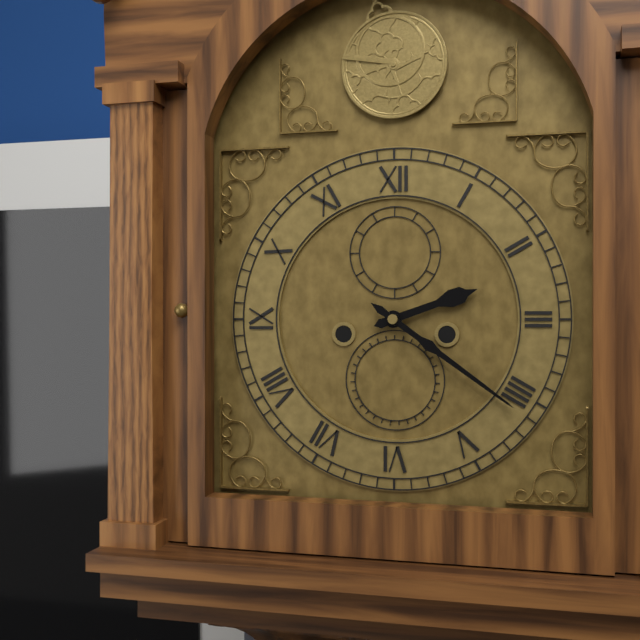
2:21
